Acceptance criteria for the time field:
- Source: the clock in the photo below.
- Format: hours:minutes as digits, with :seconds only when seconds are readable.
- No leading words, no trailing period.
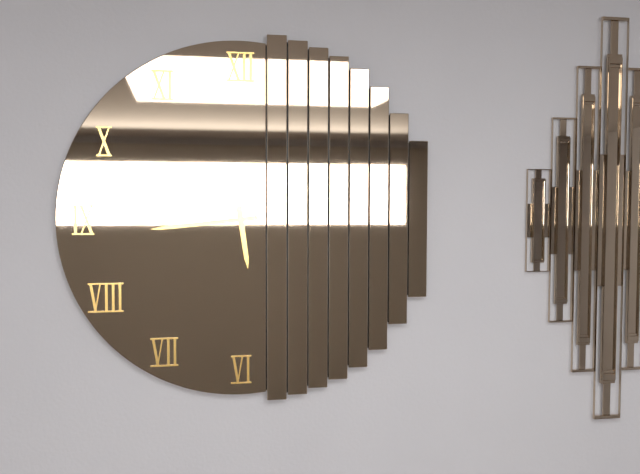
5:44
